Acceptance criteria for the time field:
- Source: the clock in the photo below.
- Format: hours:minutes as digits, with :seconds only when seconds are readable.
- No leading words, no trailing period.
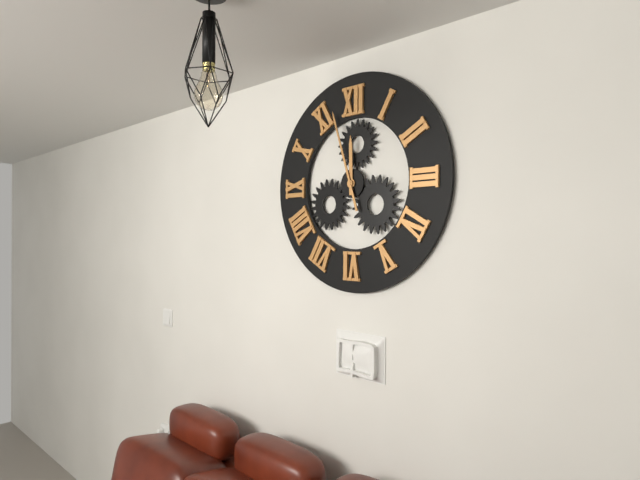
11:57
